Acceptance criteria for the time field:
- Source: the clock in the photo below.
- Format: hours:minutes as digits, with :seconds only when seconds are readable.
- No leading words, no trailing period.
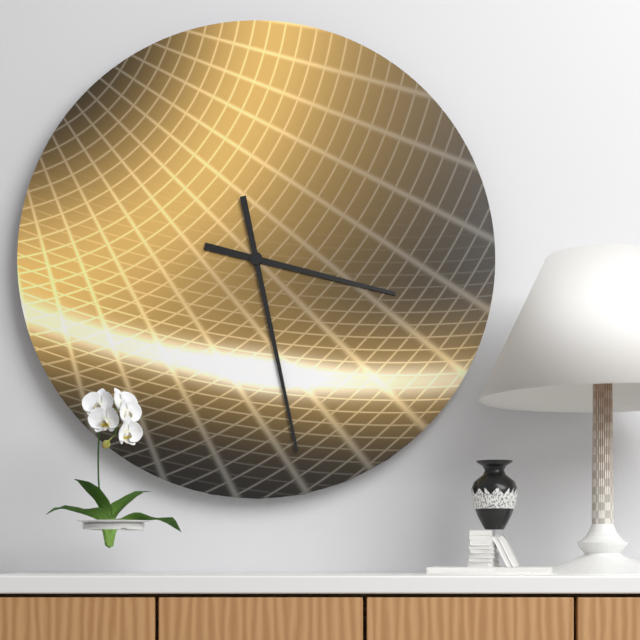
3:28
